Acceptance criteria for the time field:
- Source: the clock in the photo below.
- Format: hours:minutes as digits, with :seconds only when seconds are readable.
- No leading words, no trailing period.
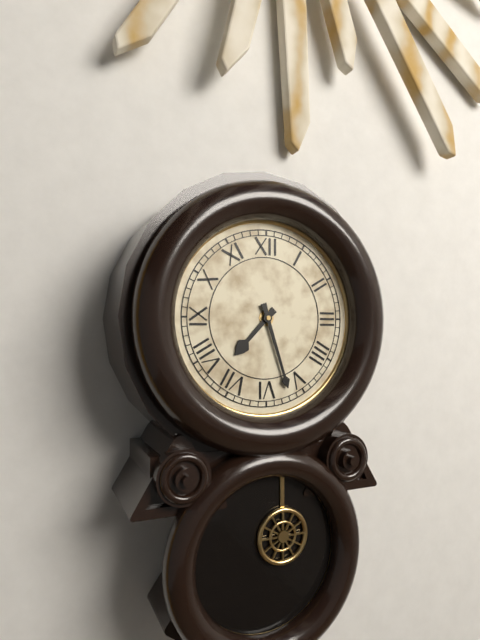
7:27
